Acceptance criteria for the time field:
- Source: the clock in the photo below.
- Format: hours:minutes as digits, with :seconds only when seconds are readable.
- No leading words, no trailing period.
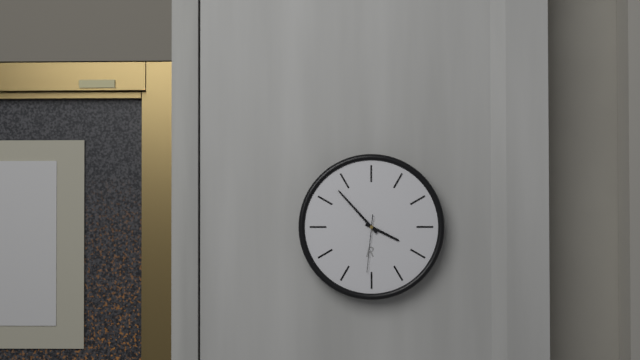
3:53:31
